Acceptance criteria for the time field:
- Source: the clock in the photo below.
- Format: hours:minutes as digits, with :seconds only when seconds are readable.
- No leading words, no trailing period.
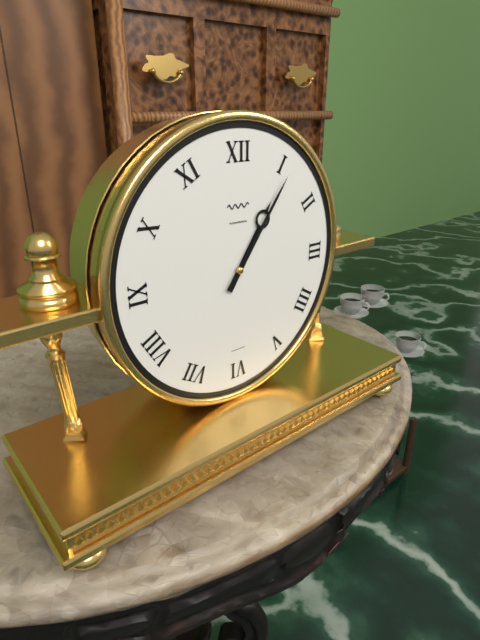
1:06
